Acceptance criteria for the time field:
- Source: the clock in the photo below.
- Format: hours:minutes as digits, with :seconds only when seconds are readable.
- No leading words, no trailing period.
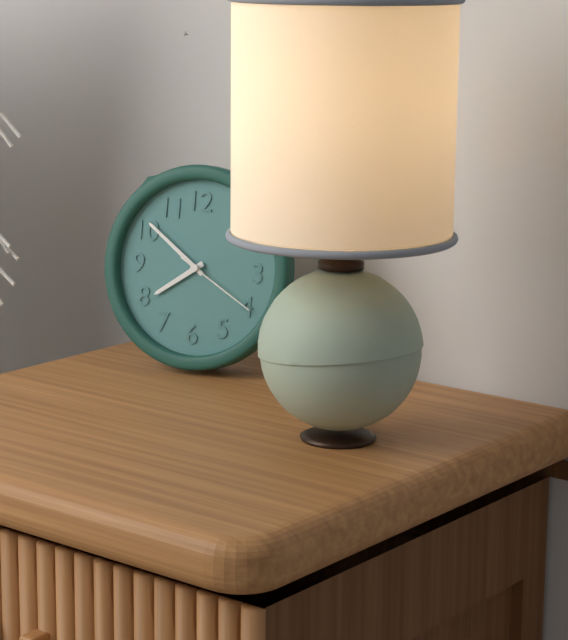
7:51:20
